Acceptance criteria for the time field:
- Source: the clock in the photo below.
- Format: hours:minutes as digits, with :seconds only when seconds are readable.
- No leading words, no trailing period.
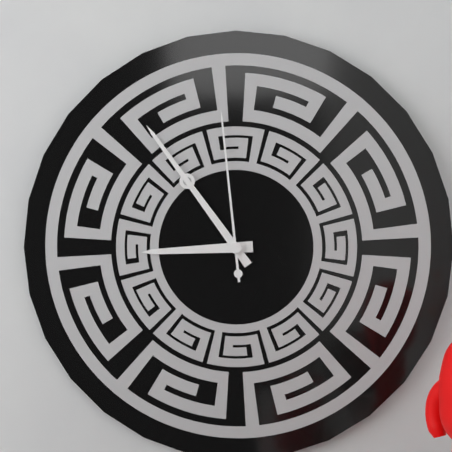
8:54:59
